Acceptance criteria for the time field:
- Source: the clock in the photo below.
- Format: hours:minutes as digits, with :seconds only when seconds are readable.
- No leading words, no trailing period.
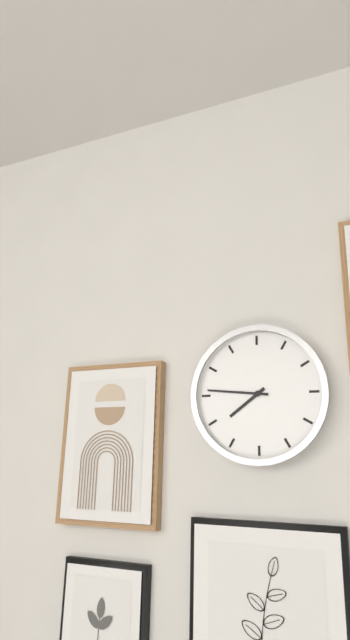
7:46
